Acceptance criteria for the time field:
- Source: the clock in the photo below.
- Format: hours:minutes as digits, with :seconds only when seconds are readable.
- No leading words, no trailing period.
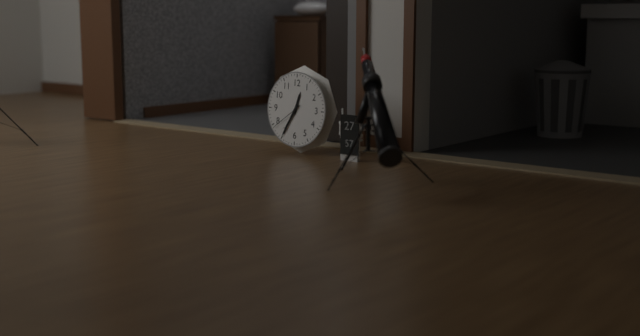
12:35
